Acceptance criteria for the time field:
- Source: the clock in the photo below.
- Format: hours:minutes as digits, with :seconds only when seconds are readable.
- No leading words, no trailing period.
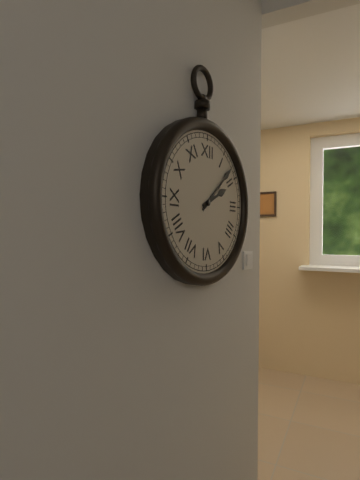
2:08
